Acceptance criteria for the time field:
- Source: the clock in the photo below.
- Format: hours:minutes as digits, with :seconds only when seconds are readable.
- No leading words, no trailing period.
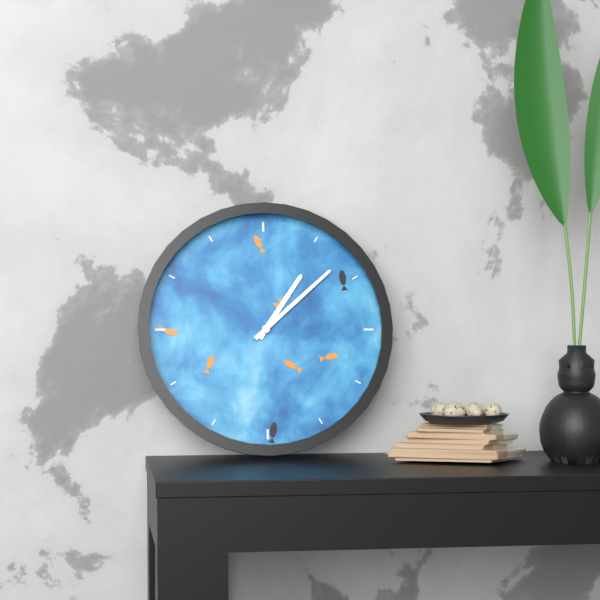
1:08
